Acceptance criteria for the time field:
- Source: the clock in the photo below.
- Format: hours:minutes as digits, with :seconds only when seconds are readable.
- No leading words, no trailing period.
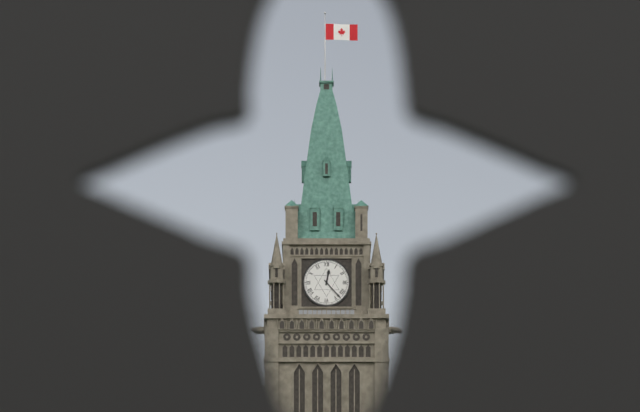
12:23
